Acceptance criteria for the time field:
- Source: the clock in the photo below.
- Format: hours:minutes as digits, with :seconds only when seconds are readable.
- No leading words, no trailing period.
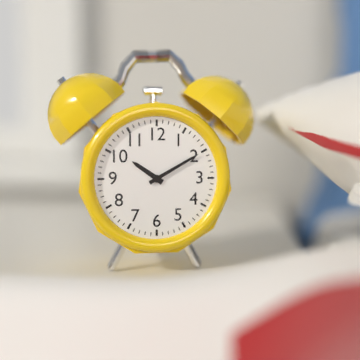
10:10
